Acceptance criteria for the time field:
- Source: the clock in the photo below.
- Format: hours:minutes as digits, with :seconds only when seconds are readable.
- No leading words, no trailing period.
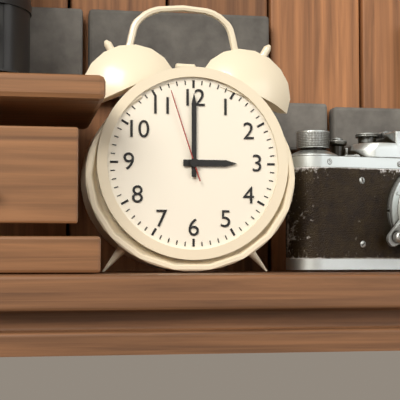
3:00:57
